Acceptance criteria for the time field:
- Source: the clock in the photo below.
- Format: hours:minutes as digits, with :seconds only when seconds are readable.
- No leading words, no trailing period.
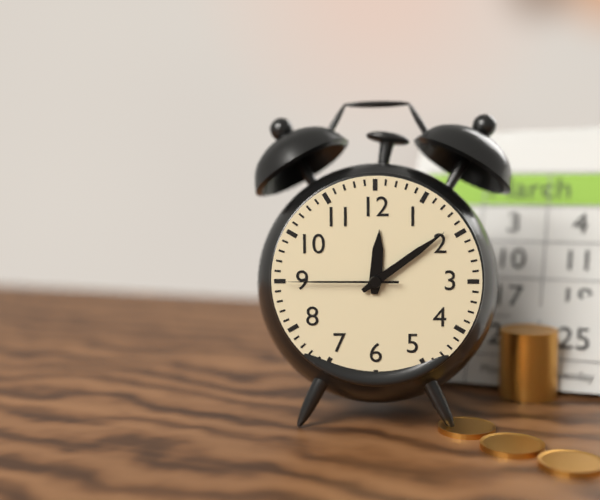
12:09:45
